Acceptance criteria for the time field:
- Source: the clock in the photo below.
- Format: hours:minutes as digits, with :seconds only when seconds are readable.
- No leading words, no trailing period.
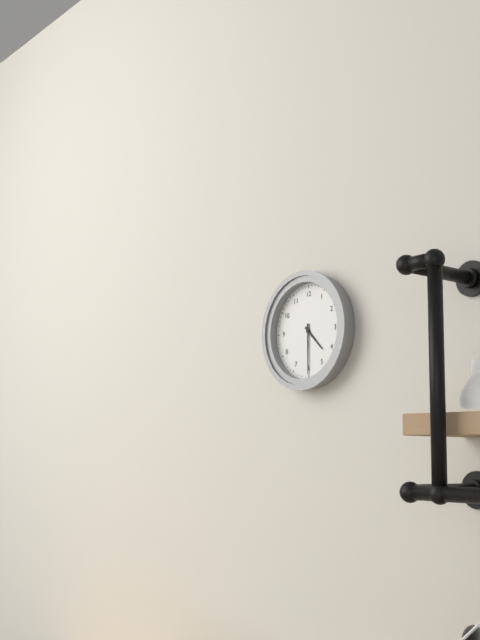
4:30
